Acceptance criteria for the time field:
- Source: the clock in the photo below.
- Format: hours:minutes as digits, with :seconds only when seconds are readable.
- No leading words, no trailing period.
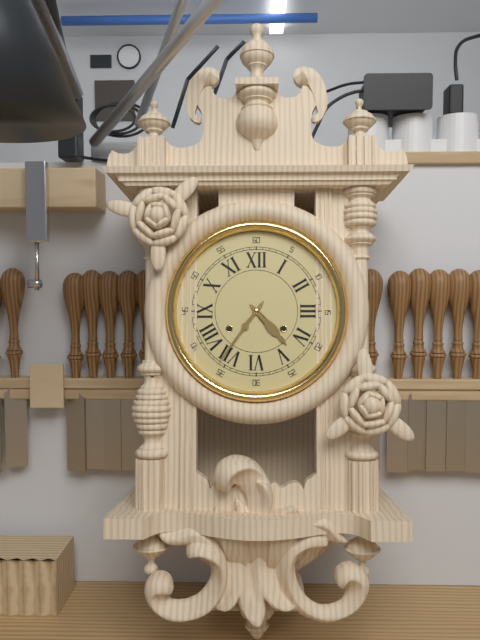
4:36
